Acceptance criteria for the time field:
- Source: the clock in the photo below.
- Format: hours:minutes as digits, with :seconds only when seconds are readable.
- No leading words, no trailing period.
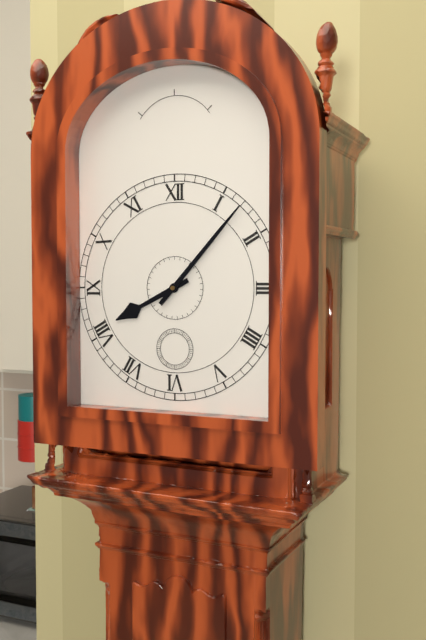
8:07
